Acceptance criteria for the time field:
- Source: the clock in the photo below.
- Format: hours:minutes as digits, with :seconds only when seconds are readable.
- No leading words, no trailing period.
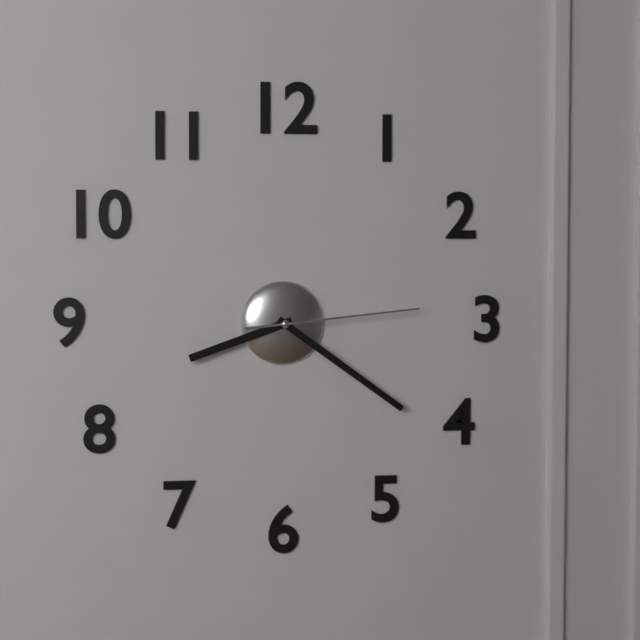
8:21:14
